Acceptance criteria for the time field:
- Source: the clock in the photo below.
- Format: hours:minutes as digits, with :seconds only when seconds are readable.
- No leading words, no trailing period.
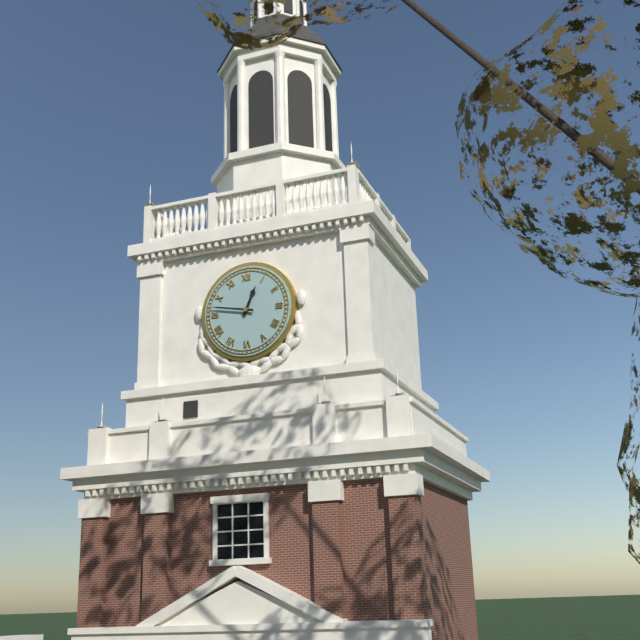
12:47
